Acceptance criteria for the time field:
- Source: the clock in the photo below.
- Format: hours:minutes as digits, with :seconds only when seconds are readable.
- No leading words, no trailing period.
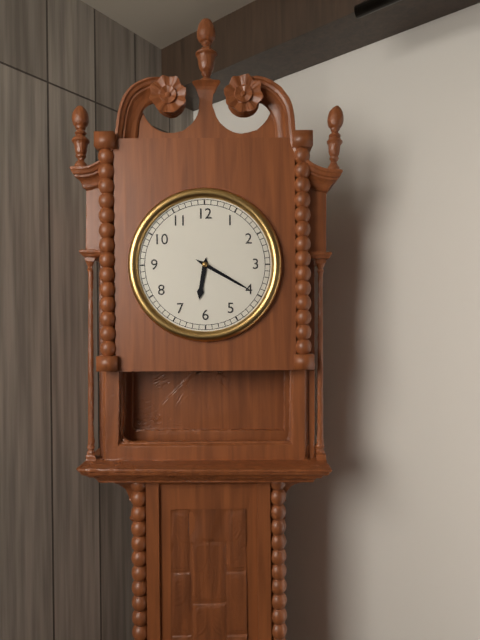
6:20
